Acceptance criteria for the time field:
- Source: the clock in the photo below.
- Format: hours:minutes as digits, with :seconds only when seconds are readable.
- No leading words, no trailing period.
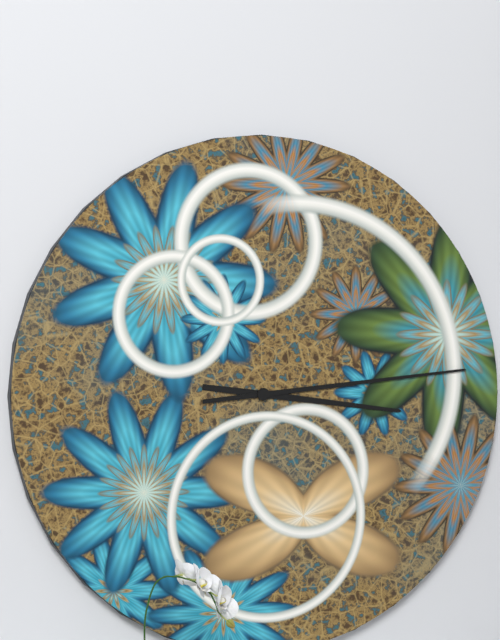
3:14
